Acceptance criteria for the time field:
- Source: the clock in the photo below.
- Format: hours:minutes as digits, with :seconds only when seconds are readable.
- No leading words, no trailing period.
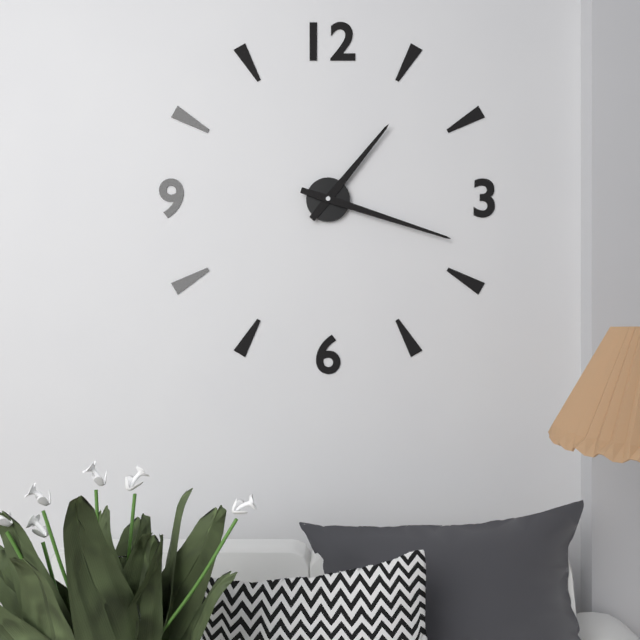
1:18
